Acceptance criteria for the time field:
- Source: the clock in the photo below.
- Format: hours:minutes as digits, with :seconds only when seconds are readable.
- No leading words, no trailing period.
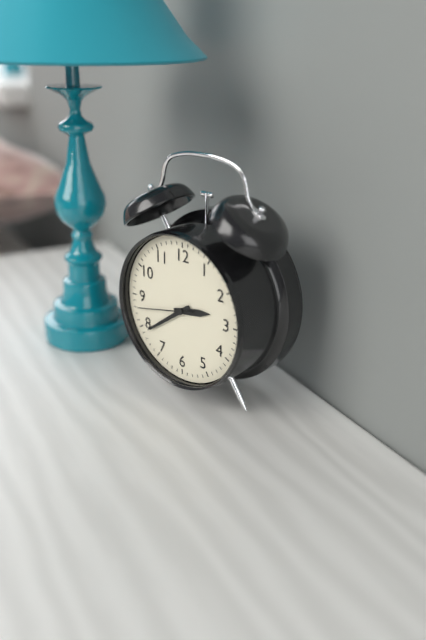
2:39:43
